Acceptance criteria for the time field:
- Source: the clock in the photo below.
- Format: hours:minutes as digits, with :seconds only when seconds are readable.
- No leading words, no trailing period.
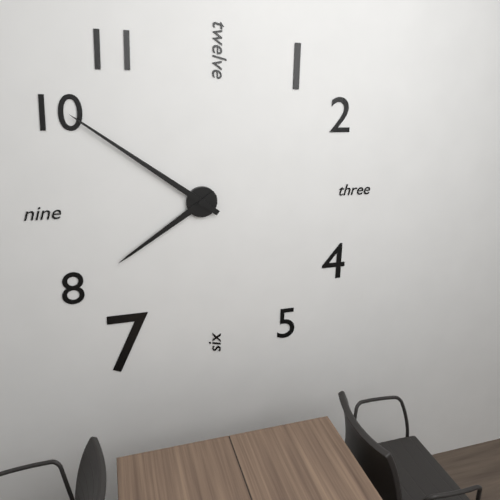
7:51
